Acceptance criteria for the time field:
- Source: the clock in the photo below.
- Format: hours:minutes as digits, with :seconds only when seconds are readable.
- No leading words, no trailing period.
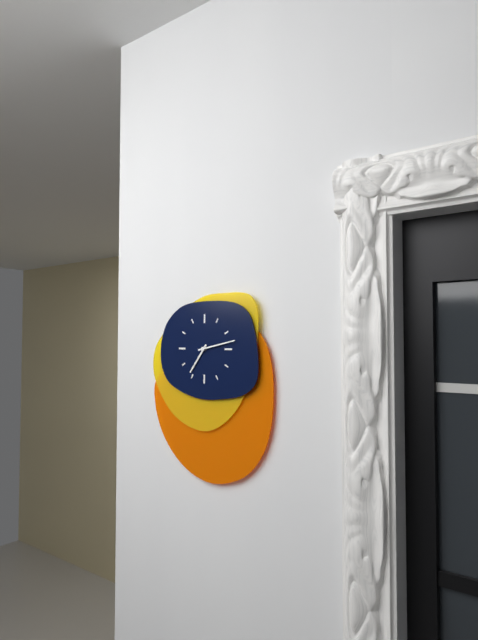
7:13
